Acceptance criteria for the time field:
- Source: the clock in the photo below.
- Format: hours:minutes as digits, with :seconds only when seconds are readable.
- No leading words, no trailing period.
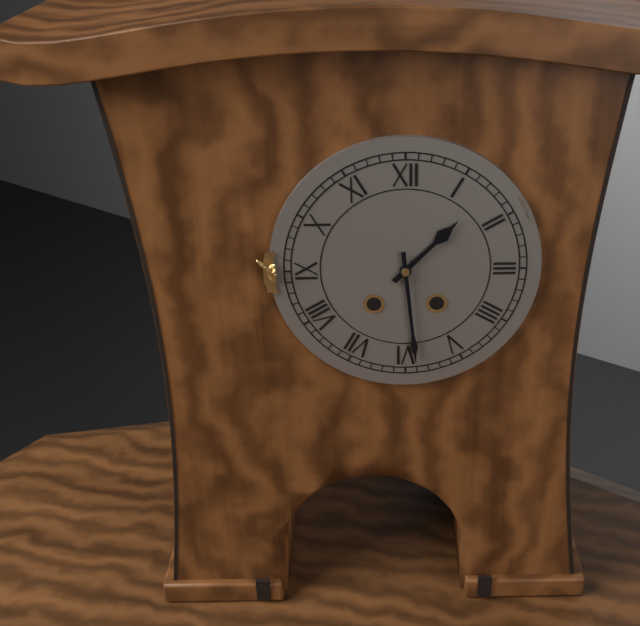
1:29
